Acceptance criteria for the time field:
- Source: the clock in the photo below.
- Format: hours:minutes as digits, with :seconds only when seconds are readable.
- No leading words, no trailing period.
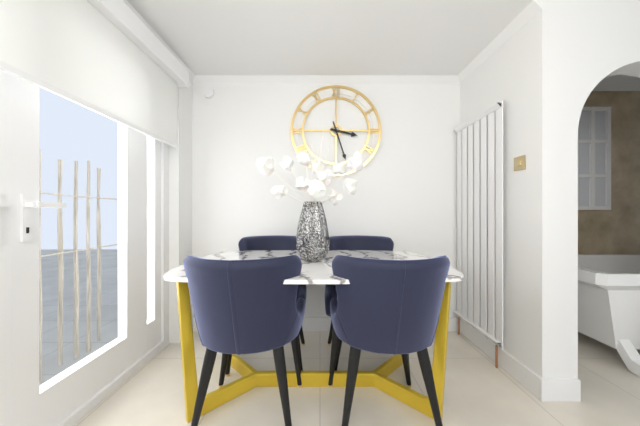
3:27
